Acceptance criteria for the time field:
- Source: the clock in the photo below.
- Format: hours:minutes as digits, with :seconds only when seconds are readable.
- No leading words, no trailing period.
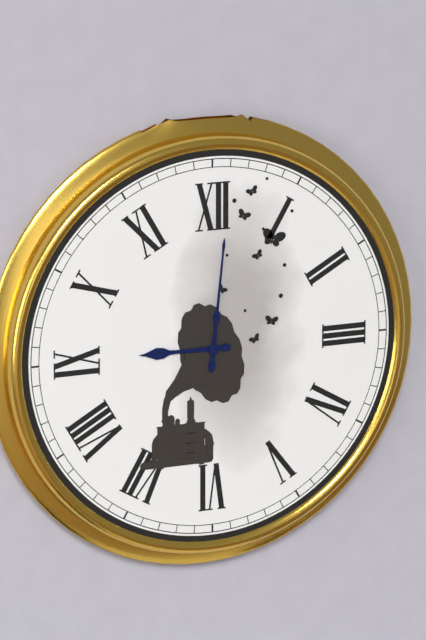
9:01
